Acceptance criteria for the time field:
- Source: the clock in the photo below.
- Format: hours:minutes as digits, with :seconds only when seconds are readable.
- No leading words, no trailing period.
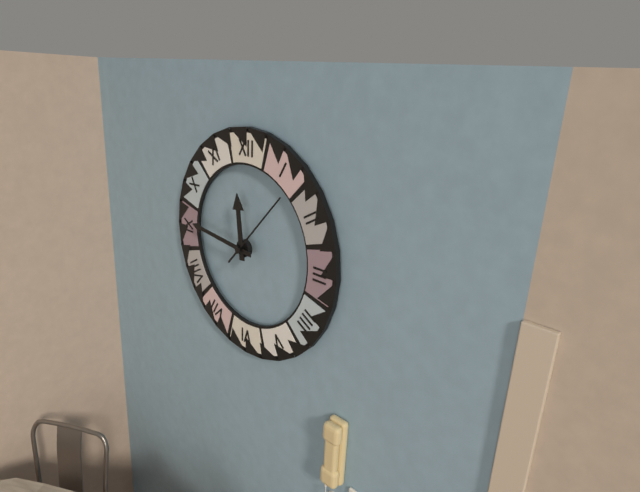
11:46:07
